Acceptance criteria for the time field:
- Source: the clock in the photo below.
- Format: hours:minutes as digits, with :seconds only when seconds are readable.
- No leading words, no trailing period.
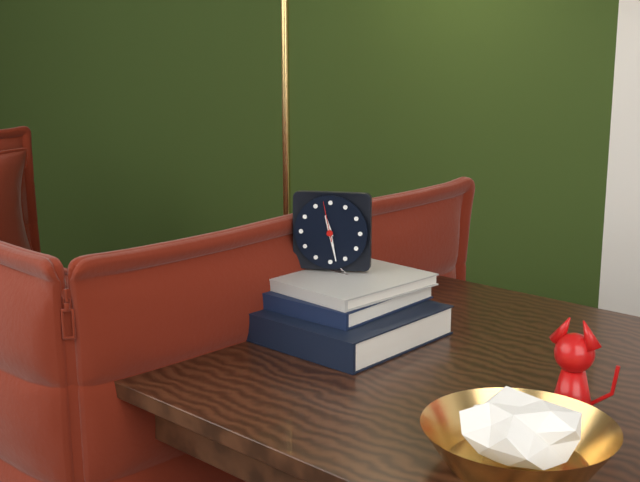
11:28
